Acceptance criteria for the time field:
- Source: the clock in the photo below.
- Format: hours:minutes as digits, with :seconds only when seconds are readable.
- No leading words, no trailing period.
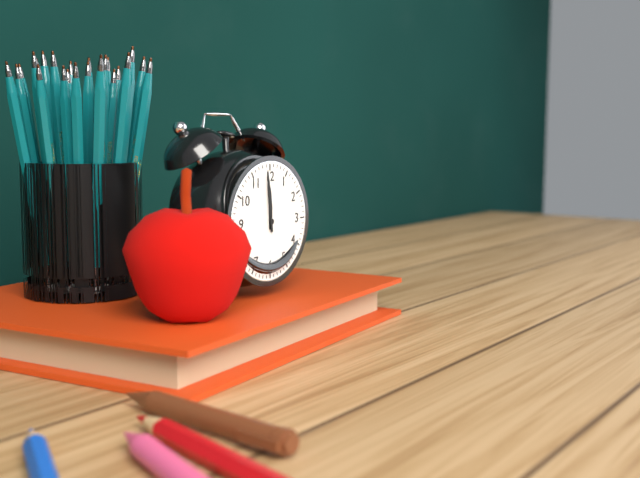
11:59
